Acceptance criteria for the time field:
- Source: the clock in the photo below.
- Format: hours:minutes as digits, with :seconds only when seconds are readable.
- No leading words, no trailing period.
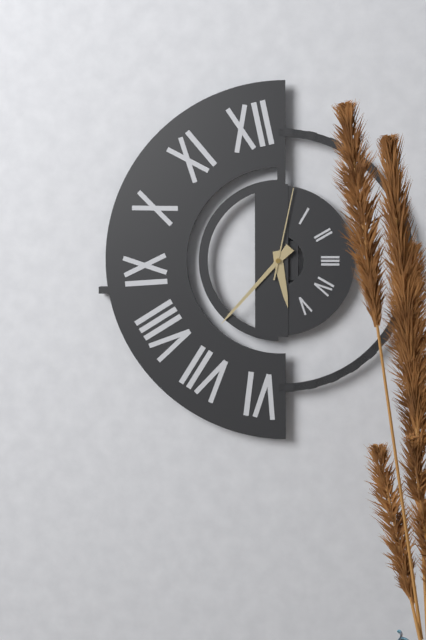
5:37:02
